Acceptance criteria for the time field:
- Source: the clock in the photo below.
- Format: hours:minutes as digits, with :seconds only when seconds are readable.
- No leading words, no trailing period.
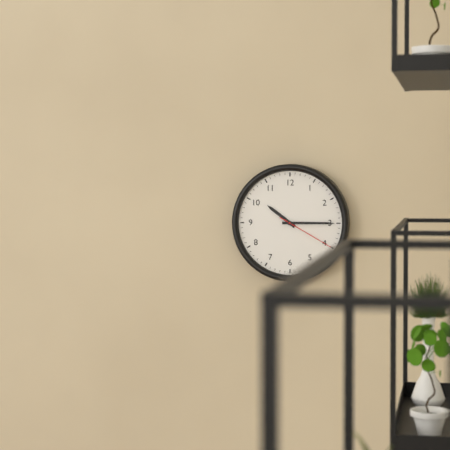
10:15:20
